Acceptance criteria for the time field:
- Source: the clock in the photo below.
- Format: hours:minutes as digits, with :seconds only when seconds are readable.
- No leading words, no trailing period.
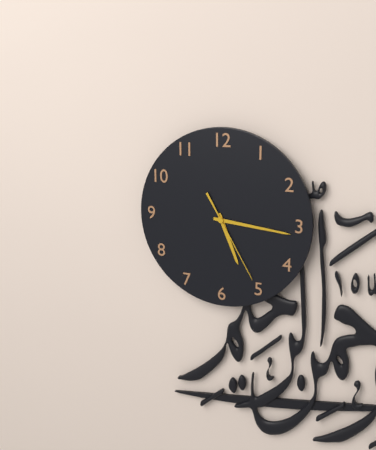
5:16:25
